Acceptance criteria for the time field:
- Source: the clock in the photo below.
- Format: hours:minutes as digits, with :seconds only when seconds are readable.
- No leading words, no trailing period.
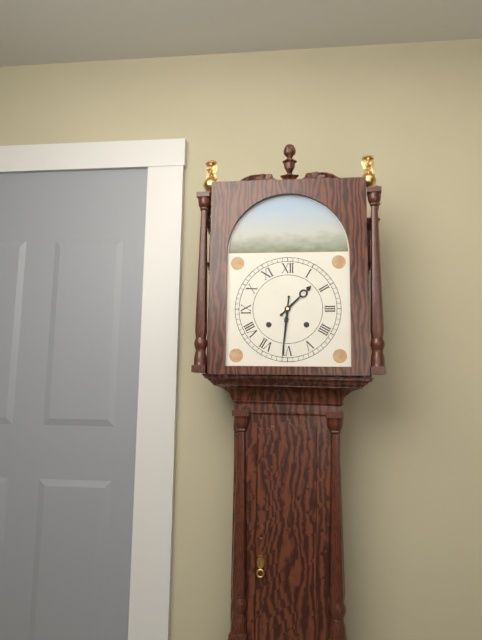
1:31
